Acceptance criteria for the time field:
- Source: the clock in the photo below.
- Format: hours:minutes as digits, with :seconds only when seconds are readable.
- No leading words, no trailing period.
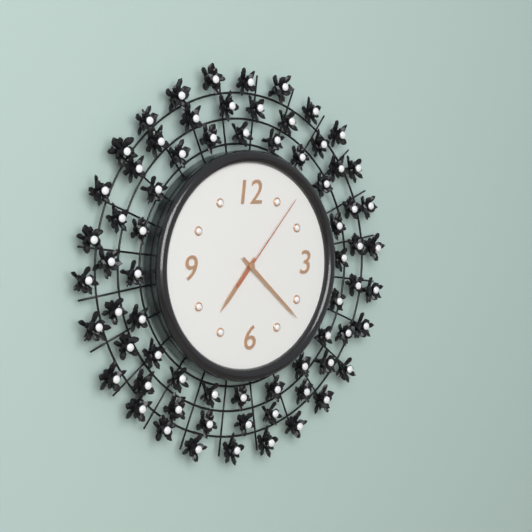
7:22:07
